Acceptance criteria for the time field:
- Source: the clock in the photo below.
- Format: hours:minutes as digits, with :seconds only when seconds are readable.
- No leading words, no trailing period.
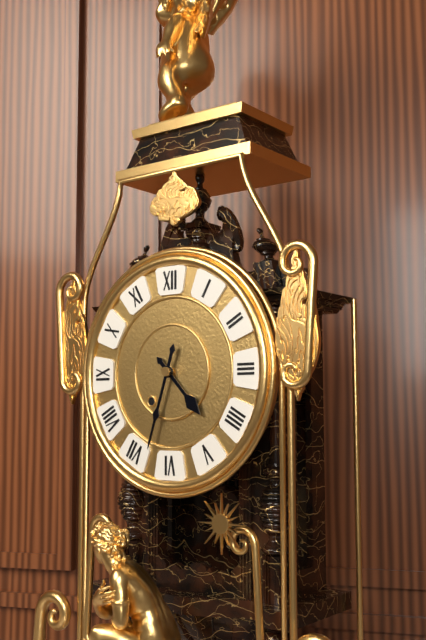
4:33
